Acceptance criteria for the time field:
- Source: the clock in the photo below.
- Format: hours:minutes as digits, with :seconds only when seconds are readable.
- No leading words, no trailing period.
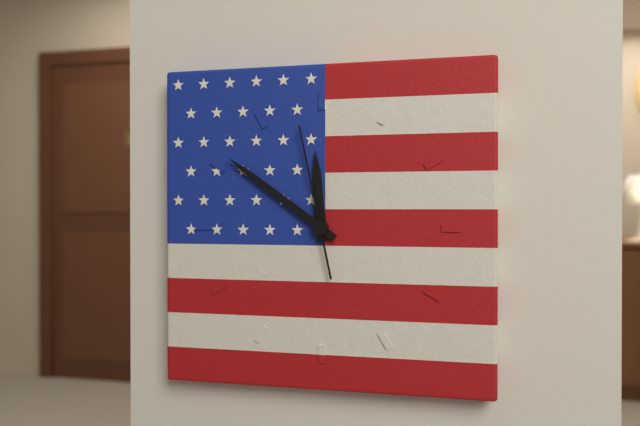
11:51:58
